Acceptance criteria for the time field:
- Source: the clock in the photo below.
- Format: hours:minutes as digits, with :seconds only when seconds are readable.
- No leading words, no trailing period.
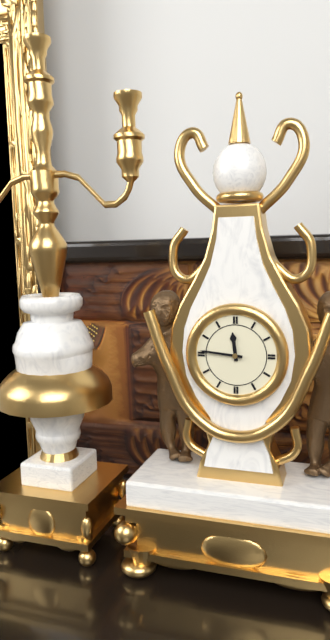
11:46
